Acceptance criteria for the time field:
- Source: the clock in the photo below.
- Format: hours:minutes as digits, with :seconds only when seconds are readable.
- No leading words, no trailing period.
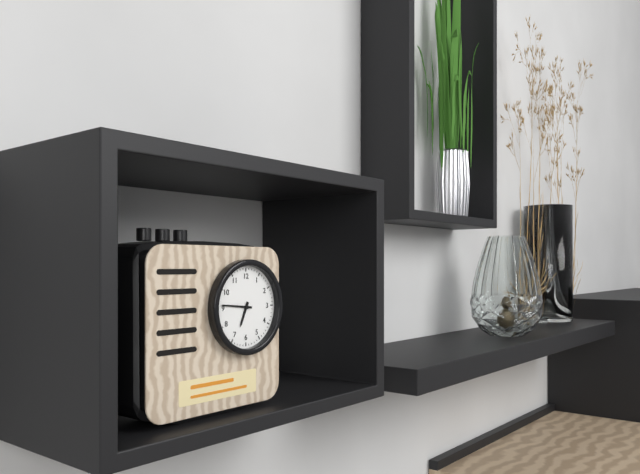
6:46
